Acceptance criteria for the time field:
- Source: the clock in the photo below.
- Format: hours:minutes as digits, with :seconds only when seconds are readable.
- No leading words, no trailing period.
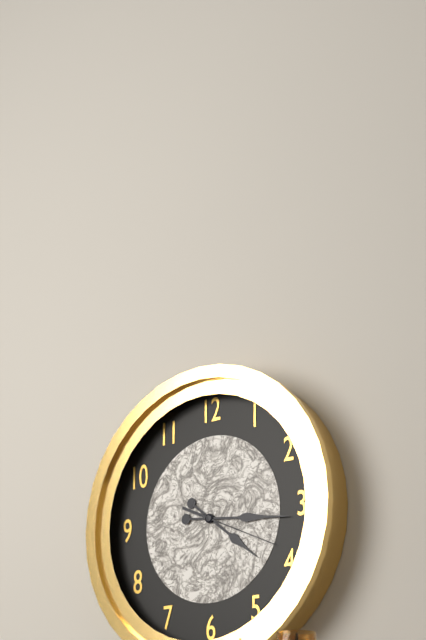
4:16:19
